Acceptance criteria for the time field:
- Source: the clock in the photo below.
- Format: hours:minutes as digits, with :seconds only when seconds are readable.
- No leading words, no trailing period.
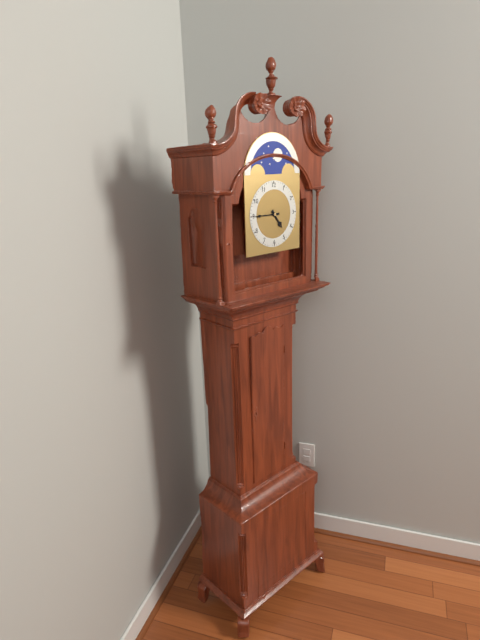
4:45
